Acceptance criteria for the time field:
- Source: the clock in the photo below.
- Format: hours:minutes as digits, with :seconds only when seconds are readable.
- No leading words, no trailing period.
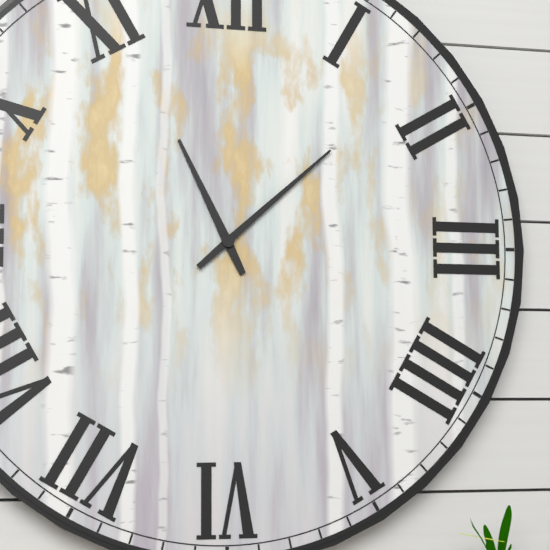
11:08
